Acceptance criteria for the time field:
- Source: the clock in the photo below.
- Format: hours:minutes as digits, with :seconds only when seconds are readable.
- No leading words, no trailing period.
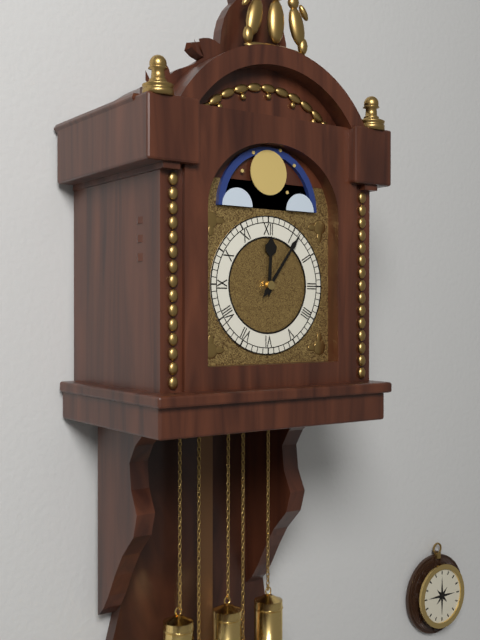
12:06
